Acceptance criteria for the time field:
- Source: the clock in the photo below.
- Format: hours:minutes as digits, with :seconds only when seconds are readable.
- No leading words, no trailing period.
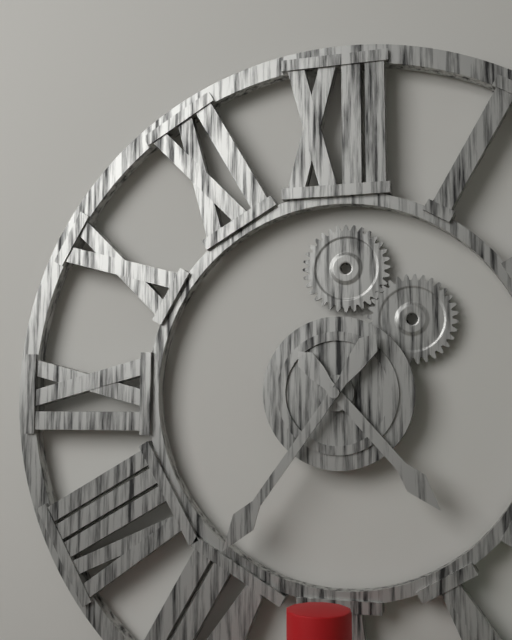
4:36
